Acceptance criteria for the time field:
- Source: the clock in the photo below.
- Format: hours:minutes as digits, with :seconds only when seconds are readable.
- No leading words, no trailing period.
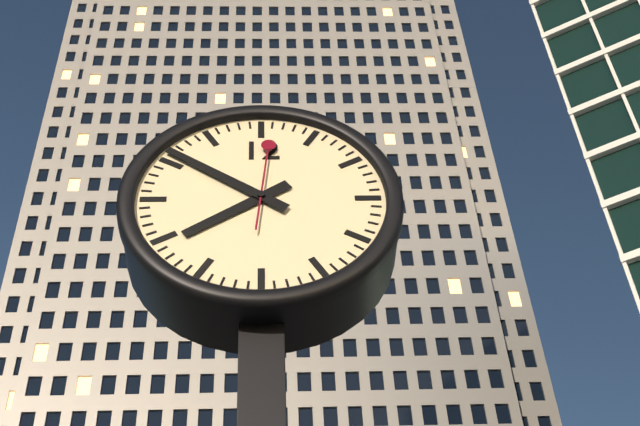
7:51:01
